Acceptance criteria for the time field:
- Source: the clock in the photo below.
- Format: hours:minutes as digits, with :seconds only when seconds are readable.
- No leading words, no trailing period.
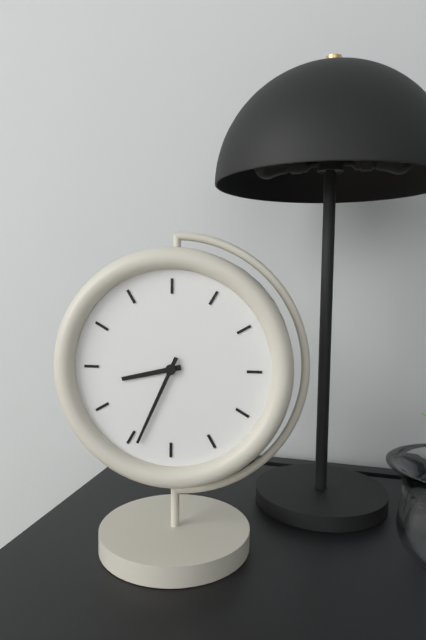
8:34
